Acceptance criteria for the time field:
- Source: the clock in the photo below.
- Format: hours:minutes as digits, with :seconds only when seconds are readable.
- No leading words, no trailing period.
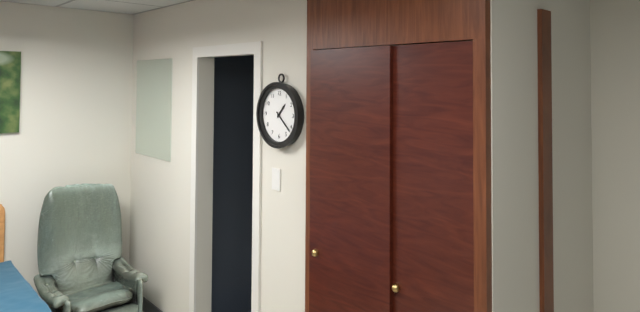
1:22
